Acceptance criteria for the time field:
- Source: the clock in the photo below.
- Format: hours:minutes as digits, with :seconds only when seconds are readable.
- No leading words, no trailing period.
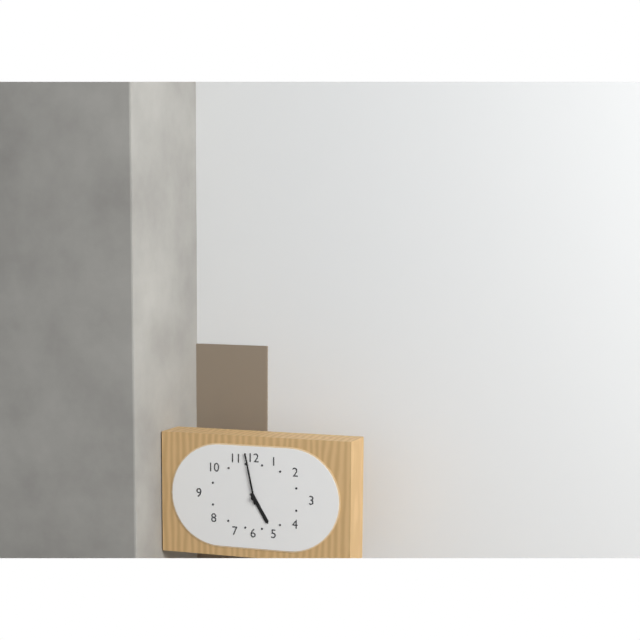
4:58
